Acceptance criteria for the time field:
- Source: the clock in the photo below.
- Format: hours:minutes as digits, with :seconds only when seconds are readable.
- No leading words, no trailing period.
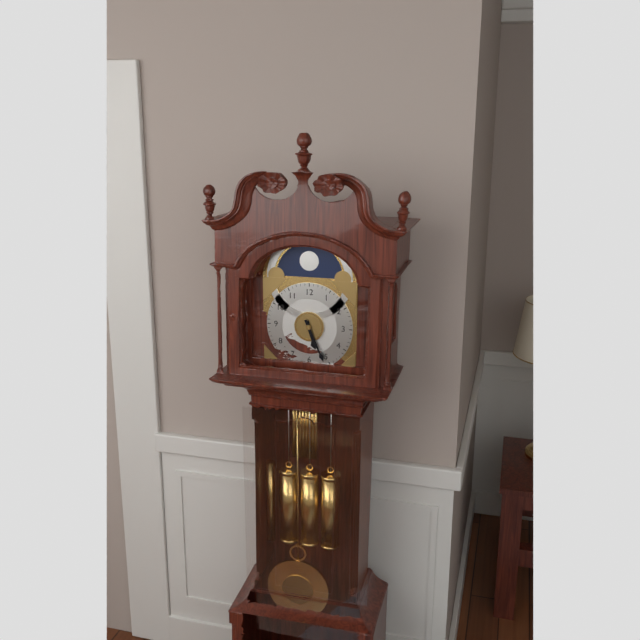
5:26
